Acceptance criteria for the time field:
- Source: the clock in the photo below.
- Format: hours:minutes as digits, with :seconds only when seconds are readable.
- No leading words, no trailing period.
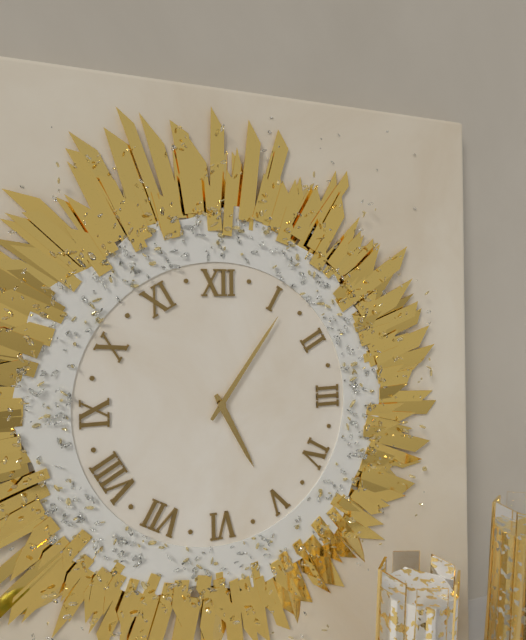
5:06
